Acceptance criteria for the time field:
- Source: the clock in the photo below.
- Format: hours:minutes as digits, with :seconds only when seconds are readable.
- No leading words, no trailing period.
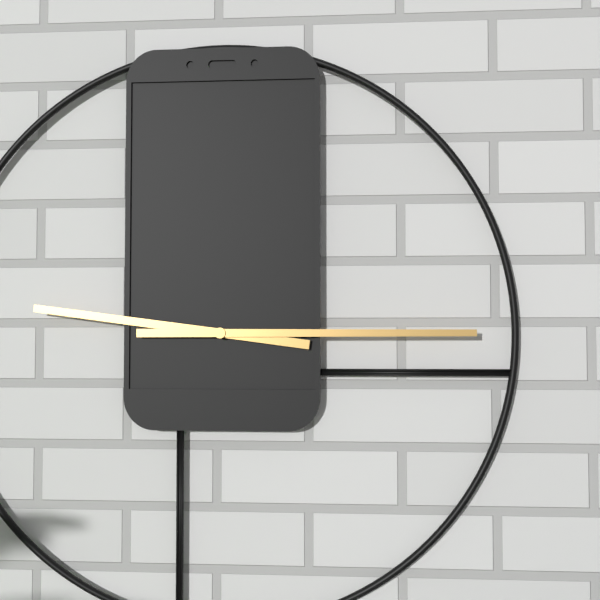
9:15
